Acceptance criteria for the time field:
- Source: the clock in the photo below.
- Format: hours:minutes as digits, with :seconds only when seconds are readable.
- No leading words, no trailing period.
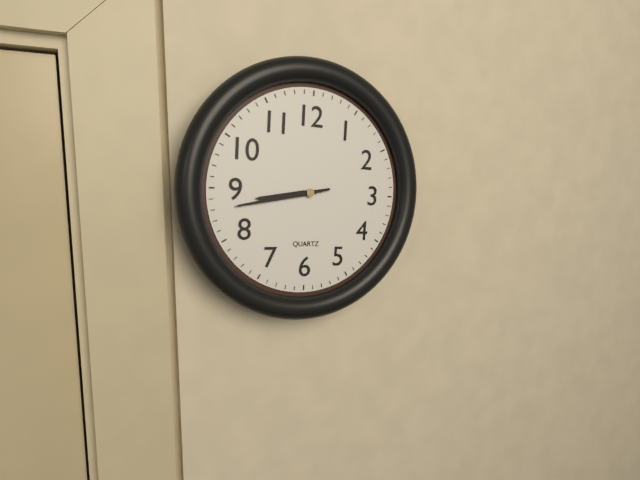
8:43
